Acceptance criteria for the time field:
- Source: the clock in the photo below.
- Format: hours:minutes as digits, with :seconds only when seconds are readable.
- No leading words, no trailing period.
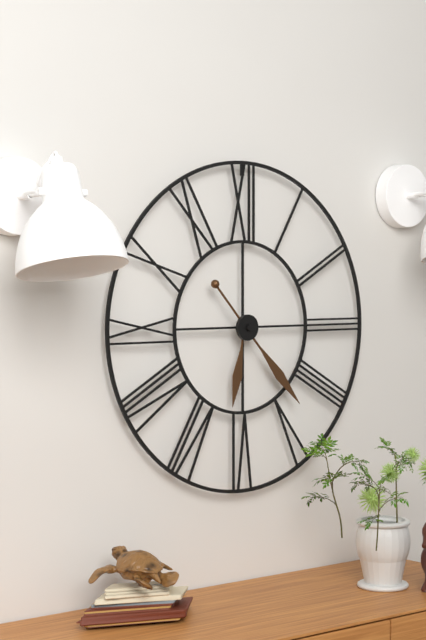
6:23
